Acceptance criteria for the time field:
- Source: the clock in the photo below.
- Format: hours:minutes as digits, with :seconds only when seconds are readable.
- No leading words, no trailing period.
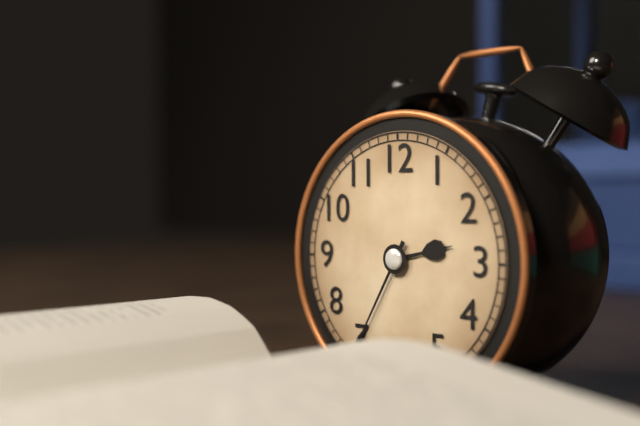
2:35
